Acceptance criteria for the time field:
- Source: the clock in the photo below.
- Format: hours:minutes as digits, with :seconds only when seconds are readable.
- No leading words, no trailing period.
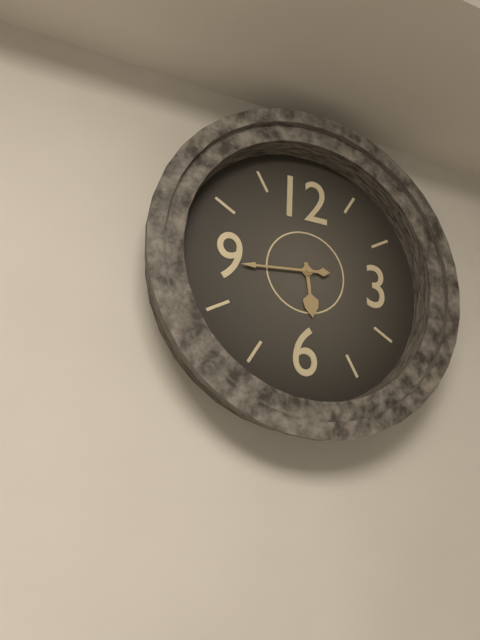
5:44
